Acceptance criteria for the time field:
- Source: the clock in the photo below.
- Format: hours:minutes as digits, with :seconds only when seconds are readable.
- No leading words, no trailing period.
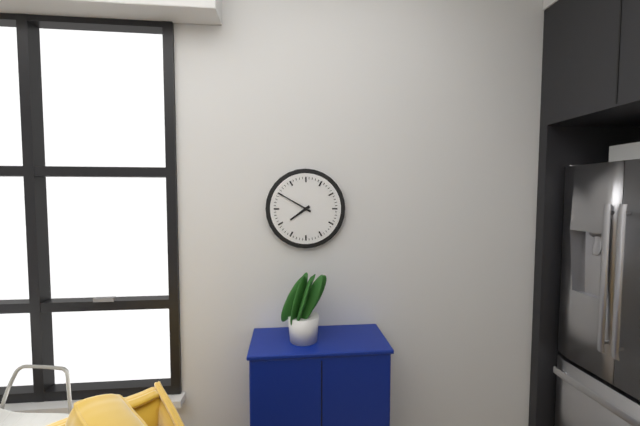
7:50
